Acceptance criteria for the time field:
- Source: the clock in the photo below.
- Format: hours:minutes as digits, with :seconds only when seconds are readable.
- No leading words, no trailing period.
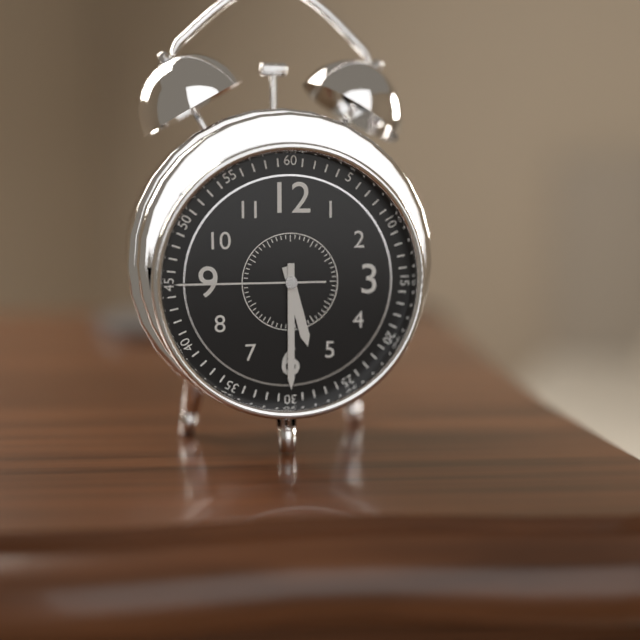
5:30:45
